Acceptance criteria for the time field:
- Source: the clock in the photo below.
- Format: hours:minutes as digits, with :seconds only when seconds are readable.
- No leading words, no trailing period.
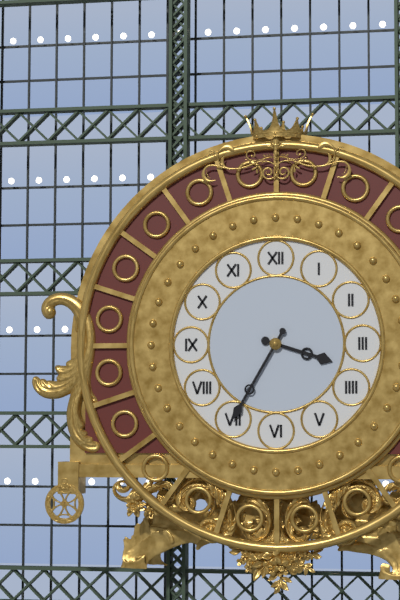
3:35
